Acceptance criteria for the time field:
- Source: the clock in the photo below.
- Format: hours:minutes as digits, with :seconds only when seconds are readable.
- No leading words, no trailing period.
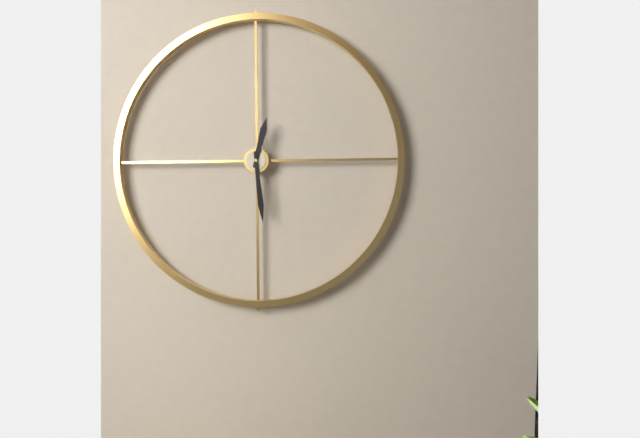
12:29
